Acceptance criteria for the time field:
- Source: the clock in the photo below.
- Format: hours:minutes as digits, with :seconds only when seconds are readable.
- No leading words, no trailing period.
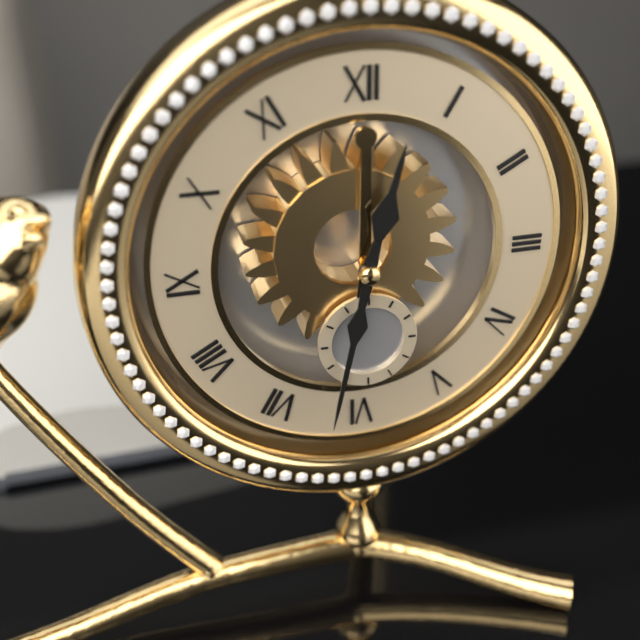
12:32
